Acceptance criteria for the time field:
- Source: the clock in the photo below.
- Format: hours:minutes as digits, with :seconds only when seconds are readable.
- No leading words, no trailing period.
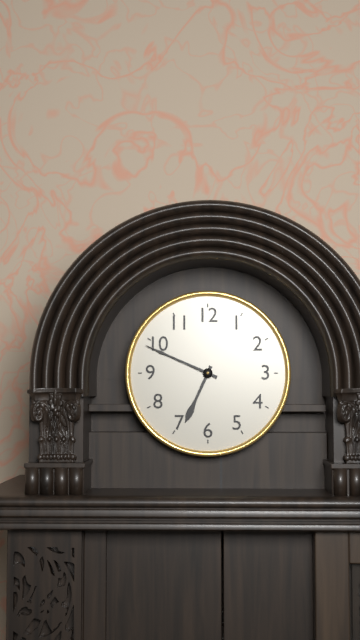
6:49
